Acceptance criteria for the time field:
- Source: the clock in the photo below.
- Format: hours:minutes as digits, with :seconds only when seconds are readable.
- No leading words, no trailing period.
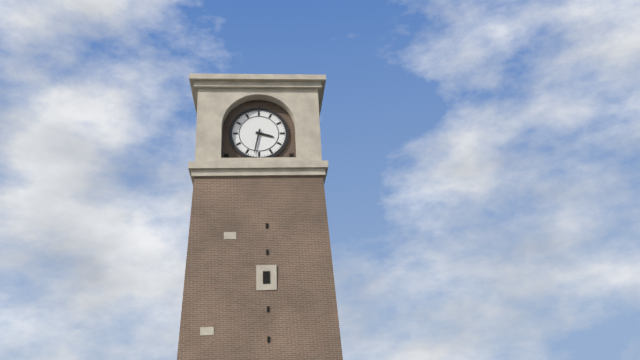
3:32
